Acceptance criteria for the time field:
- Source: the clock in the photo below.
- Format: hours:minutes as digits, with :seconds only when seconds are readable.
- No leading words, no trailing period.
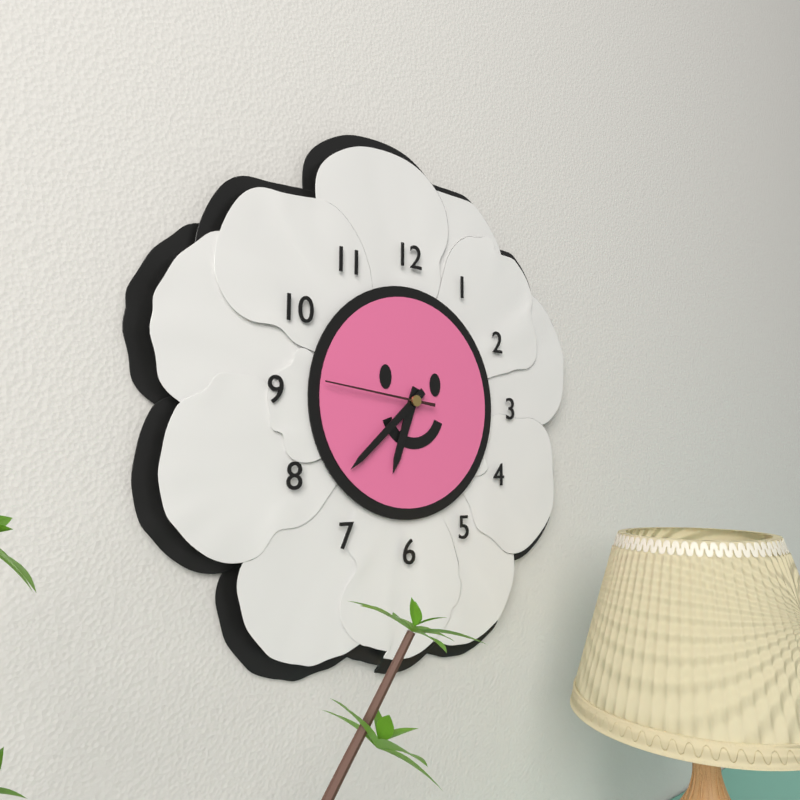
6:38:46
